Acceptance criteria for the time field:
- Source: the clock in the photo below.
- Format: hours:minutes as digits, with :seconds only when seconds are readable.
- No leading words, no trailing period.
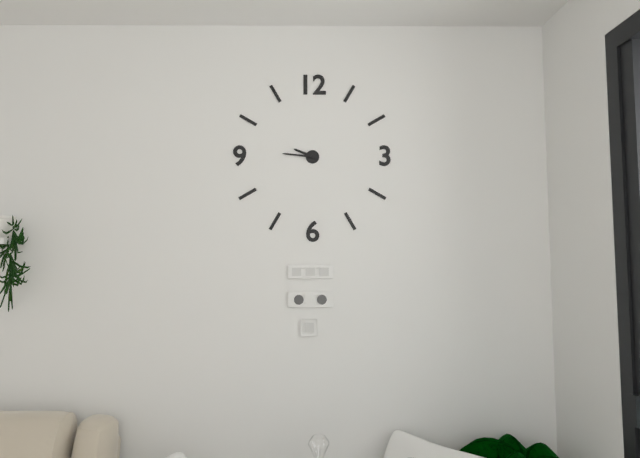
9:46
